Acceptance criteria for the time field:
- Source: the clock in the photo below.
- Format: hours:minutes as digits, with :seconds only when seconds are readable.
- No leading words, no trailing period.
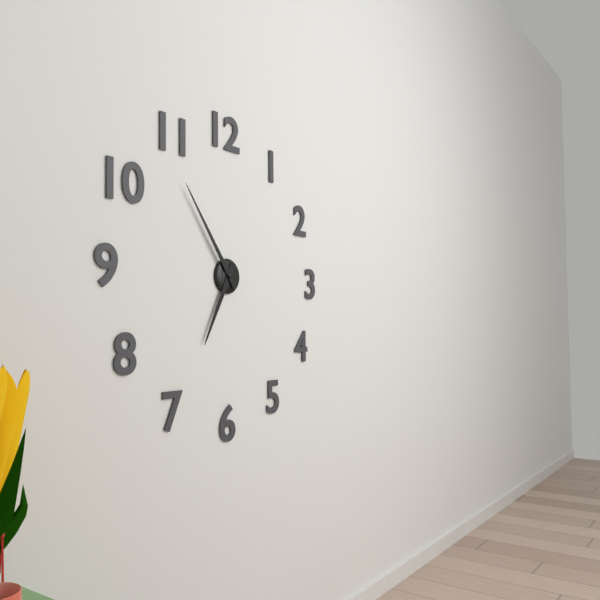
6:54
